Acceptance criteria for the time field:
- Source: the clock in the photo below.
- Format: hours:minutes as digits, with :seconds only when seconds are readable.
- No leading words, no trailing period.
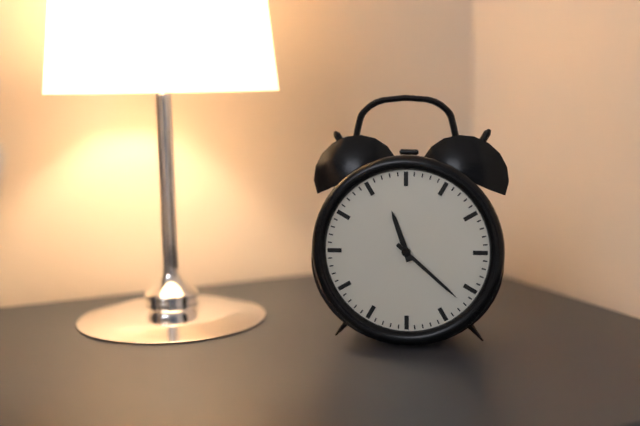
11:22
